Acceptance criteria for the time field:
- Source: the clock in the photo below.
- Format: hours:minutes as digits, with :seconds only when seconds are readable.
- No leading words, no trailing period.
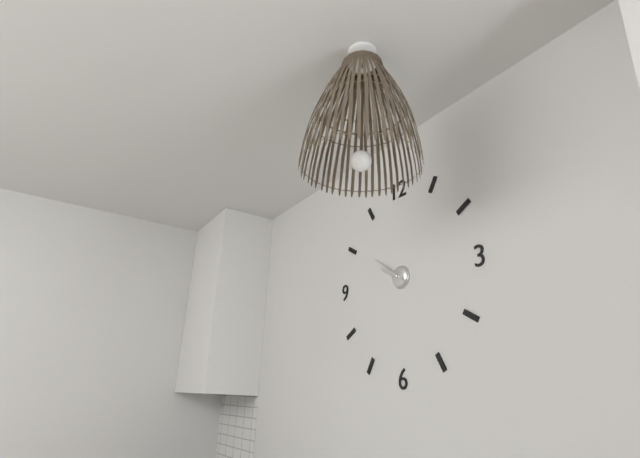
9:51
